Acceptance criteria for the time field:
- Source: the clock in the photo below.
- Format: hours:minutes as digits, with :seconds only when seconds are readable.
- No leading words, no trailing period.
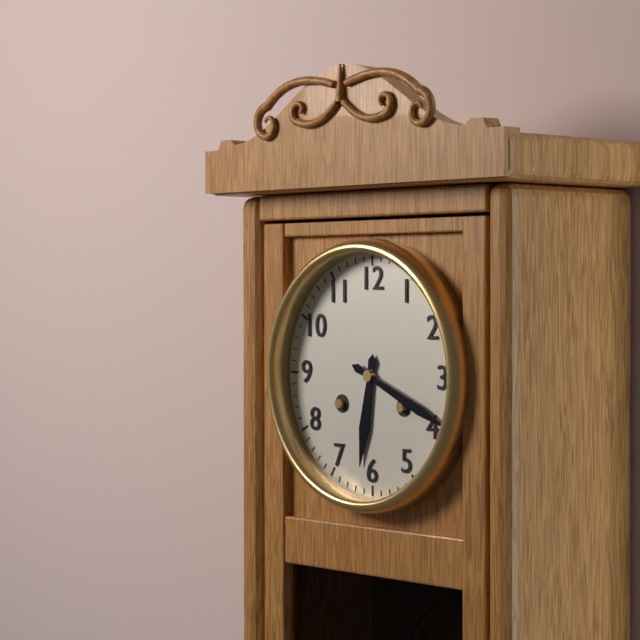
6:19
